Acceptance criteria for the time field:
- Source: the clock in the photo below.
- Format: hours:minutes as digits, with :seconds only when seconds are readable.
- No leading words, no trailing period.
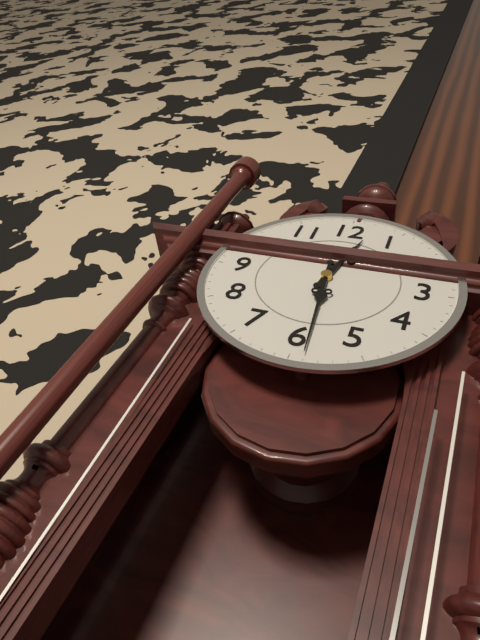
12:29
